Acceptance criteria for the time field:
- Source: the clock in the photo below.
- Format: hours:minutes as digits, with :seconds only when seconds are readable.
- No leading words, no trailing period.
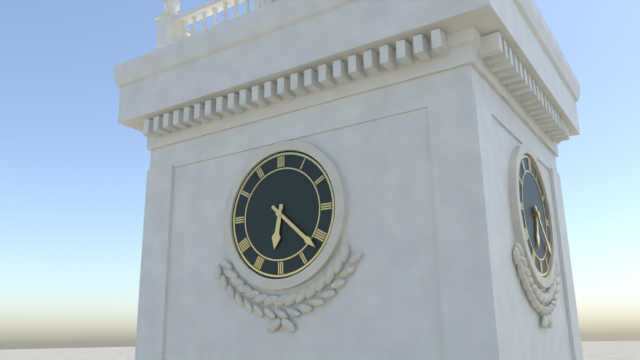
6:22
